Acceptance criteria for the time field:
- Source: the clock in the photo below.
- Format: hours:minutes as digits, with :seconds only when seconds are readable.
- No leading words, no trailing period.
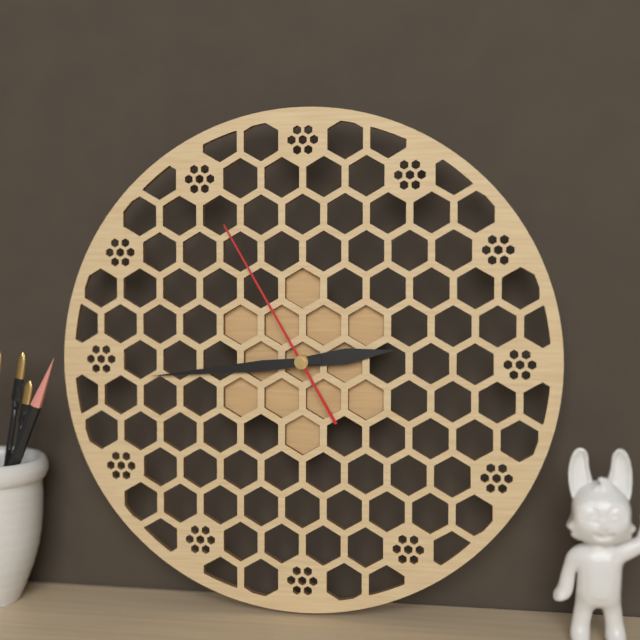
2:44:55
